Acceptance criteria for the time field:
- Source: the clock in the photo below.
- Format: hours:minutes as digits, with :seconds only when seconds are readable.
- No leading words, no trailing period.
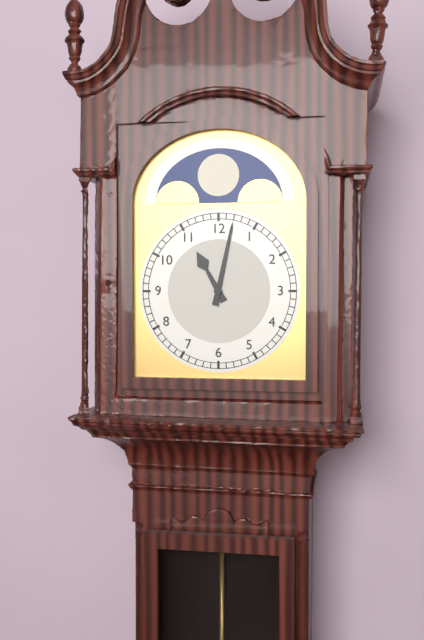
11:02
